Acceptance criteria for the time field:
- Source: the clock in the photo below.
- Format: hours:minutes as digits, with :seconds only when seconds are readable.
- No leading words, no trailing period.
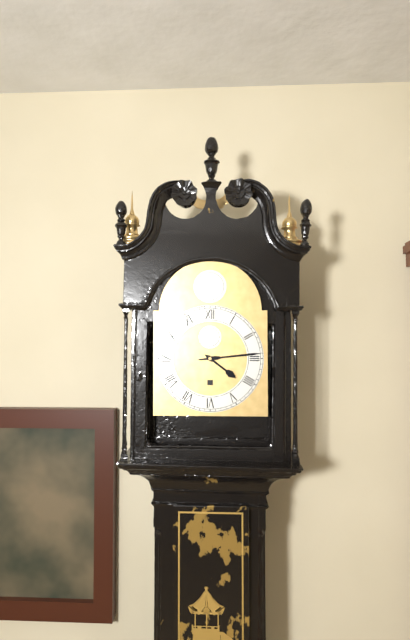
4:14
